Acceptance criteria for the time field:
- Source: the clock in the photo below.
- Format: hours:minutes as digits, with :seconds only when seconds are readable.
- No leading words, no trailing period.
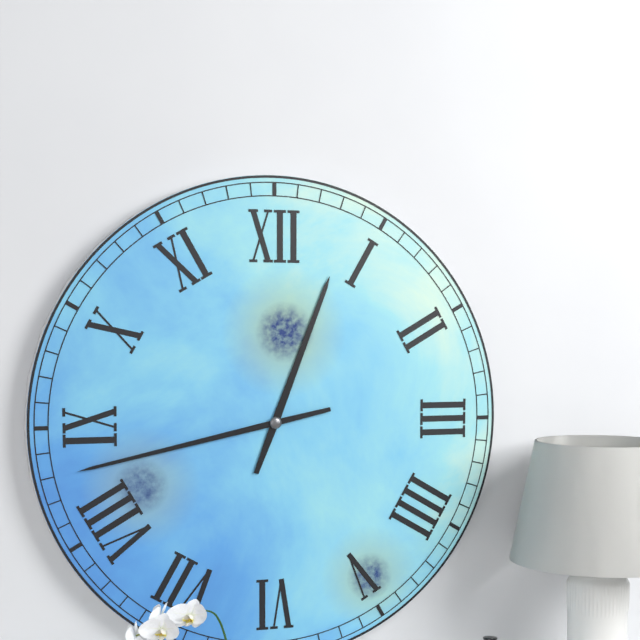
12:43
